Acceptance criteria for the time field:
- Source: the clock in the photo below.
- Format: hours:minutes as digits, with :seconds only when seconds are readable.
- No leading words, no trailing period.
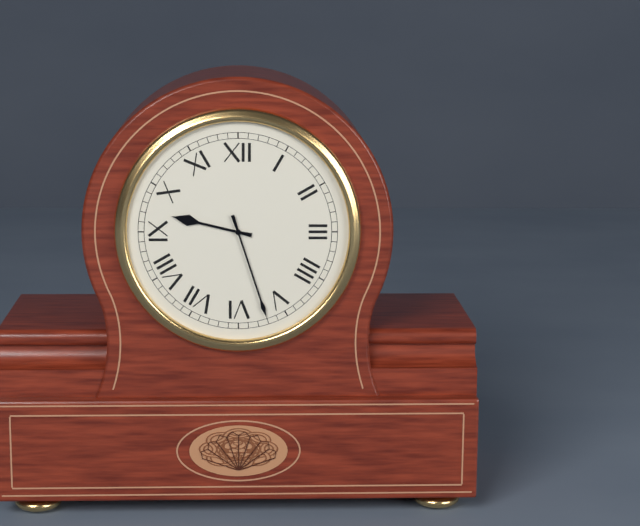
9:27
